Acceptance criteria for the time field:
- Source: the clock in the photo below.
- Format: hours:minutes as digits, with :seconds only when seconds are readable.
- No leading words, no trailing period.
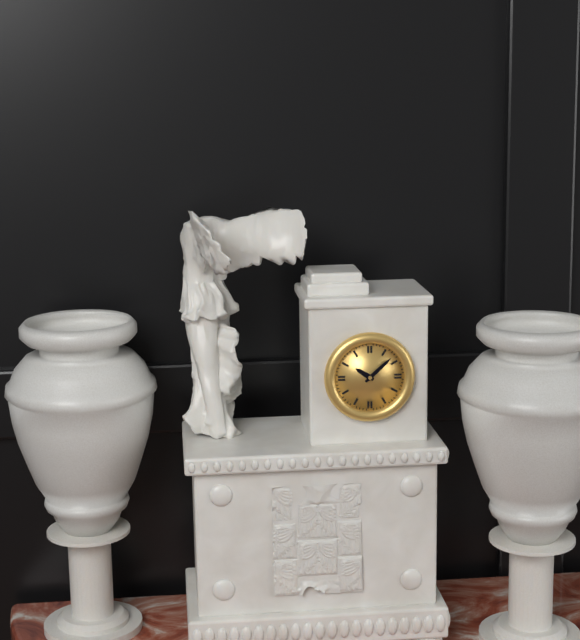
10:08
